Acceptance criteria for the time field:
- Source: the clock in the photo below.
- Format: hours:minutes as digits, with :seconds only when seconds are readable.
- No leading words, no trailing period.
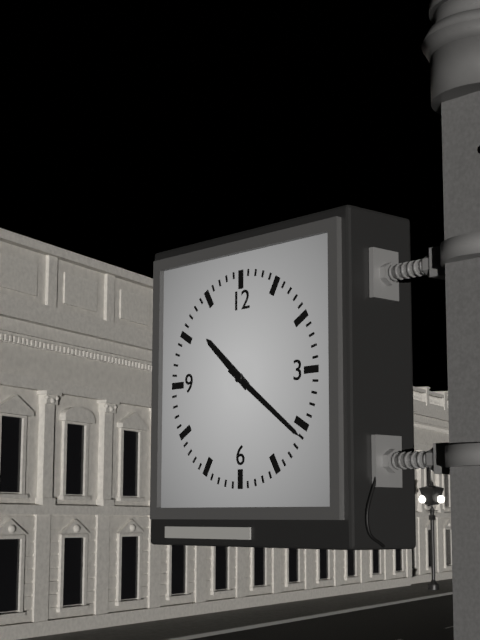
10:21
